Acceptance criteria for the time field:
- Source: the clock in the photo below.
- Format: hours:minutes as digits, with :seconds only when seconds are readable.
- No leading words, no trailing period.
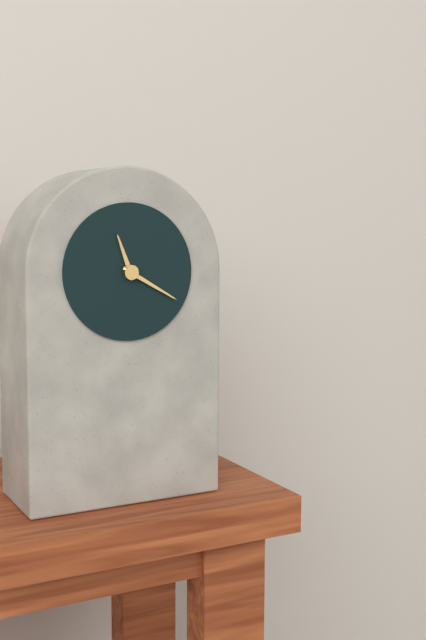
11:20
